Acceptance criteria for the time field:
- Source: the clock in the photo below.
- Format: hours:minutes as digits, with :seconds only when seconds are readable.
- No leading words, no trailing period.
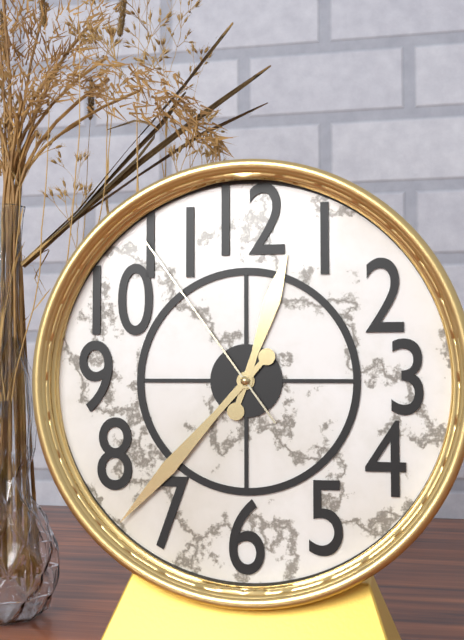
12:37:54
